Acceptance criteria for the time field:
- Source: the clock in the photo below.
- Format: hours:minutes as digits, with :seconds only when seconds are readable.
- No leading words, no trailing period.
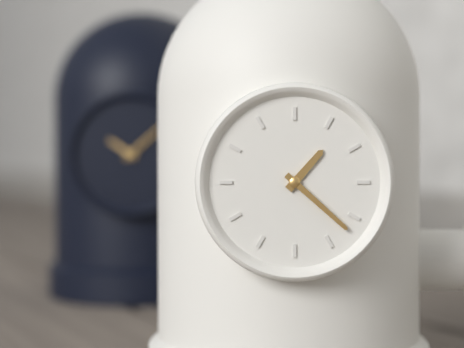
1:22
